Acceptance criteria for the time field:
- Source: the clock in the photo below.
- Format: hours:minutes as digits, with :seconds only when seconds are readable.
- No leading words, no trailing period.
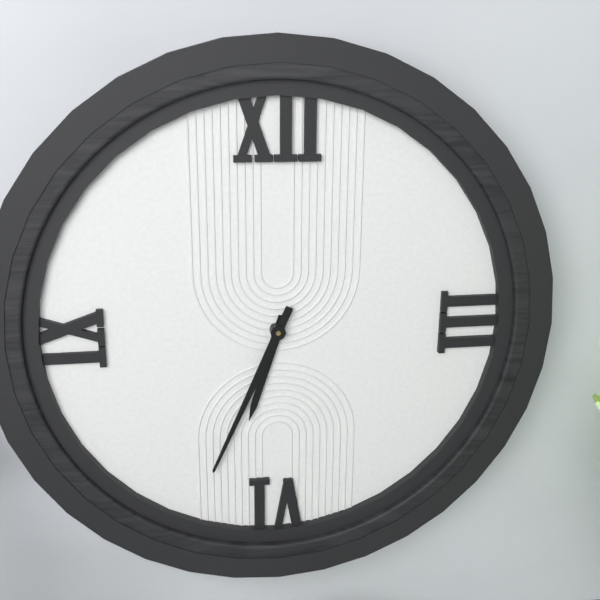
6:34
